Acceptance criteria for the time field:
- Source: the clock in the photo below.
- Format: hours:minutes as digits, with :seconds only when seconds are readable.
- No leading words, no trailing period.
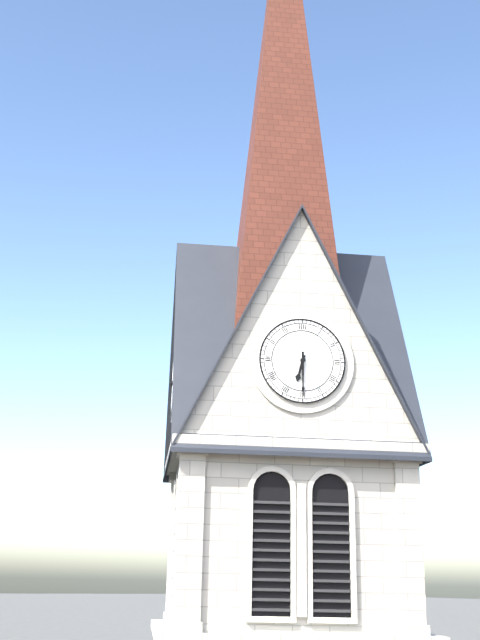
6:30
